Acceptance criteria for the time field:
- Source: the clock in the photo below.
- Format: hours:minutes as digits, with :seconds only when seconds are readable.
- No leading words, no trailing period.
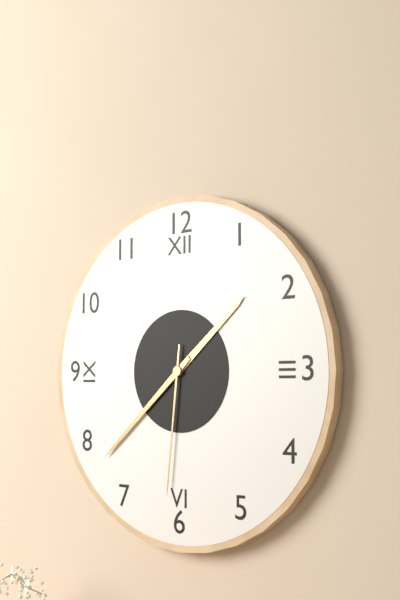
1:38:31
